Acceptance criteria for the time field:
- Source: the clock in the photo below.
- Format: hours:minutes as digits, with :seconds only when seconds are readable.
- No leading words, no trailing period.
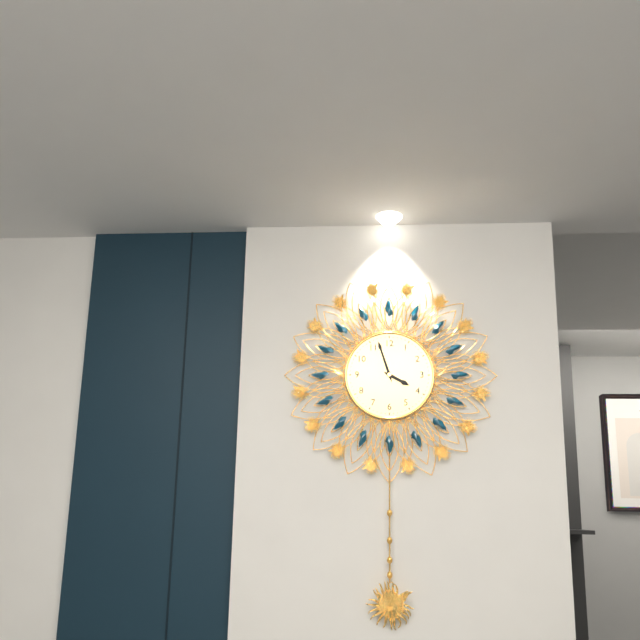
3:57
